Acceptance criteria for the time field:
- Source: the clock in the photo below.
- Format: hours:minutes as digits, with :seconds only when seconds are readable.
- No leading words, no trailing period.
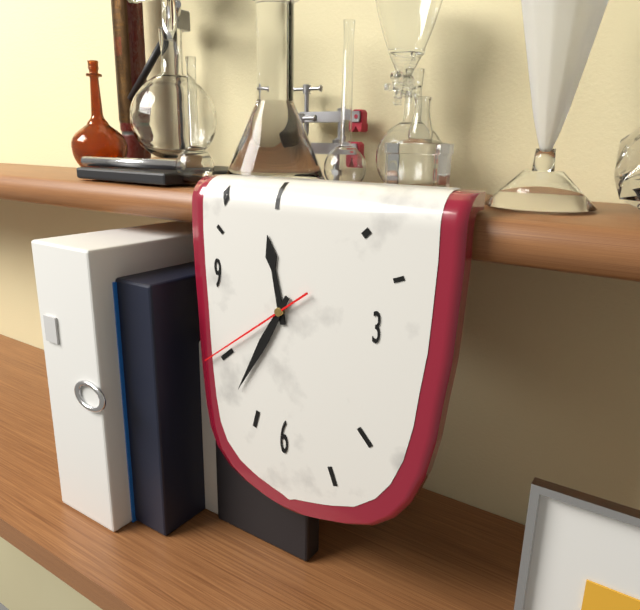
11:35:39
